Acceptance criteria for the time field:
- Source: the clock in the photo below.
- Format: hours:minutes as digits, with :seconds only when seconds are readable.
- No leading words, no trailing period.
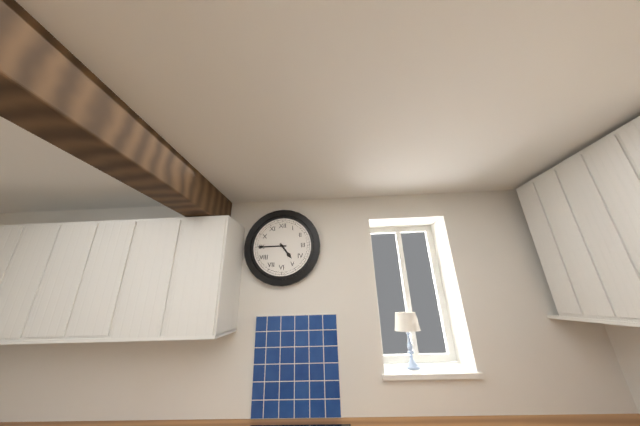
4:45
